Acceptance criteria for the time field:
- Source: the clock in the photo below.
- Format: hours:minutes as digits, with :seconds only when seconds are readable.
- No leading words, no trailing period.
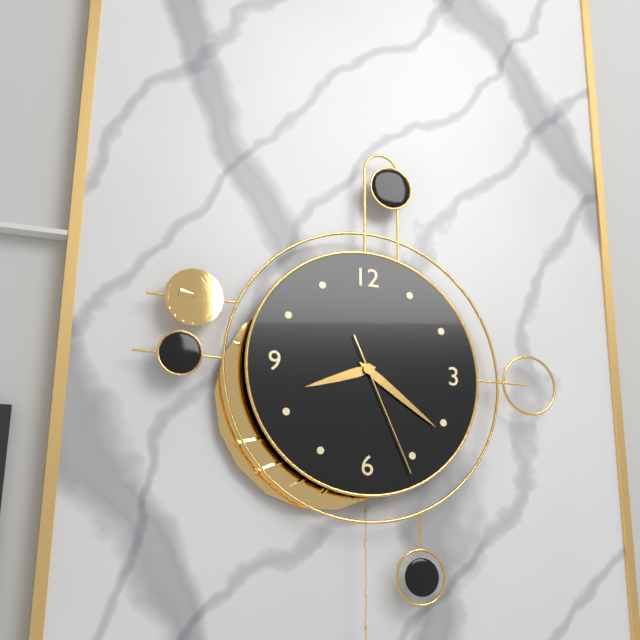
8:21:26
